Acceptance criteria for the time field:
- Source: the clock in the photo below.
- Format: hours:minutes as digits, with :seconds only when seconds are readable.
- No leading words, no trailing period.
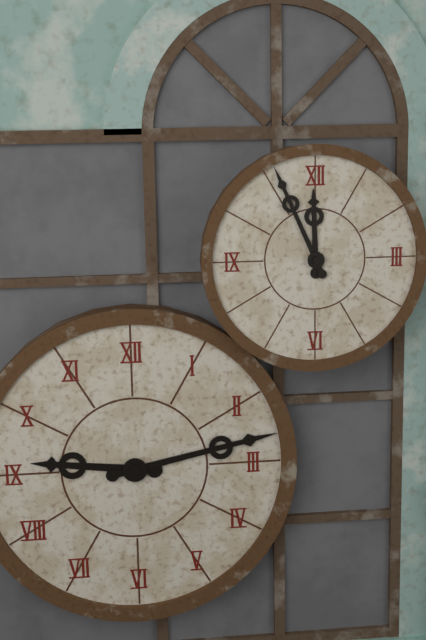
11:56
